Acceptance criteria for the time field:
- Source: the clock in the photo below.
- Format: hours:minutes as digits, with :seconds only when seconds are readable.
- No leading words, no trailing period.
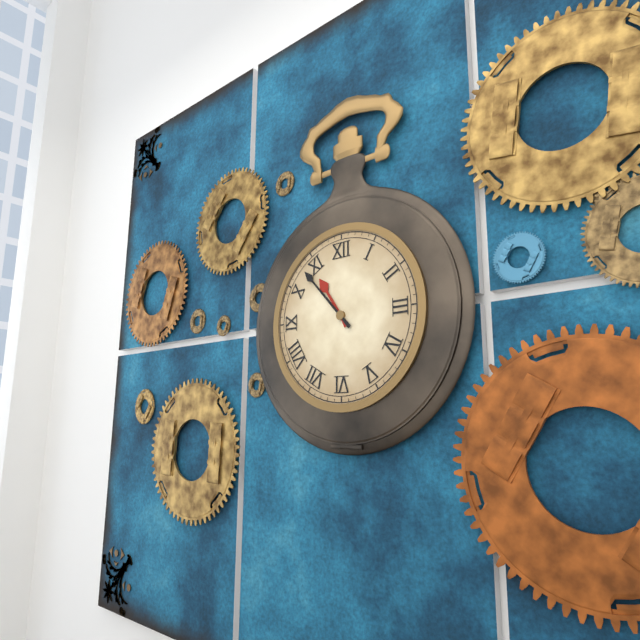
10:53
